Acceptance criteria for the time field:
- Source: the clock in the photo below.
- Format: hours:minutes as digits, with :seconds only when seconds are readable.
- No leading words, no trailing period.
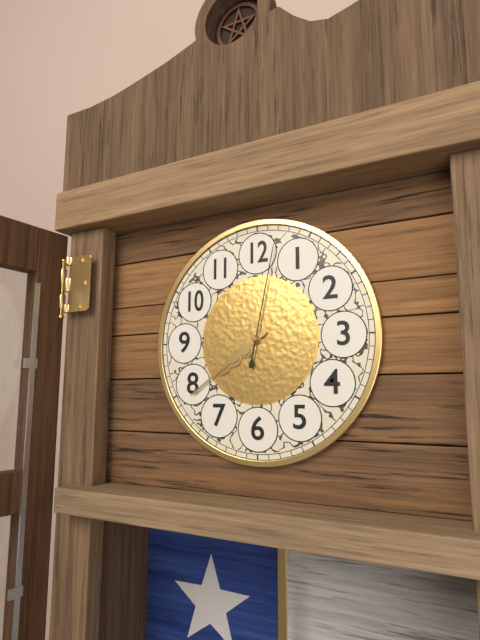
7:39:02
